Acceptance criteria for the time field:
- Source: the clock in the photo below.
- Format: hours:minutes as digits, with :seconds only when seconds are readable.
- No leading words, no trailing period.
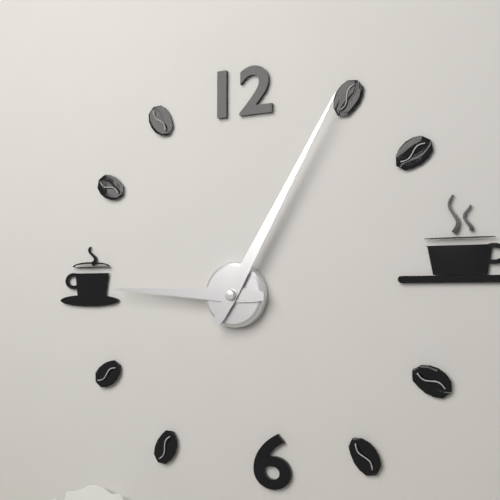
9:05
